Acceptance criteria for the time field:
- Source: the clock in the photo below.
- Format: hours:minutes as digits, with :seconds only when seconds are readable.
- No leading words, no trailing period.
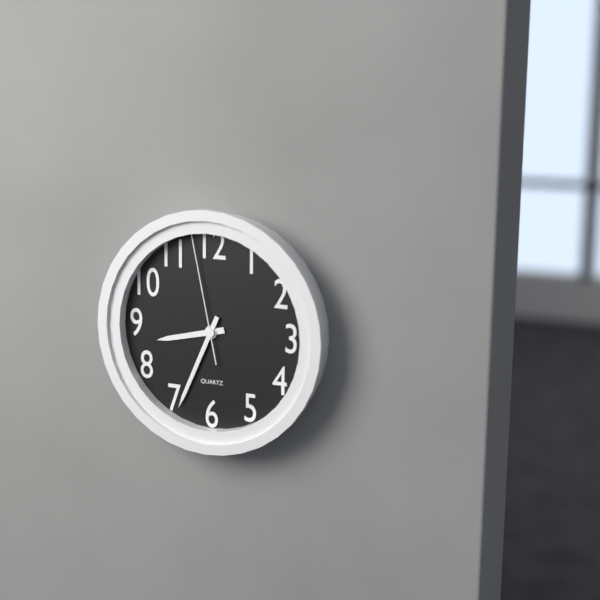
8:34:58
